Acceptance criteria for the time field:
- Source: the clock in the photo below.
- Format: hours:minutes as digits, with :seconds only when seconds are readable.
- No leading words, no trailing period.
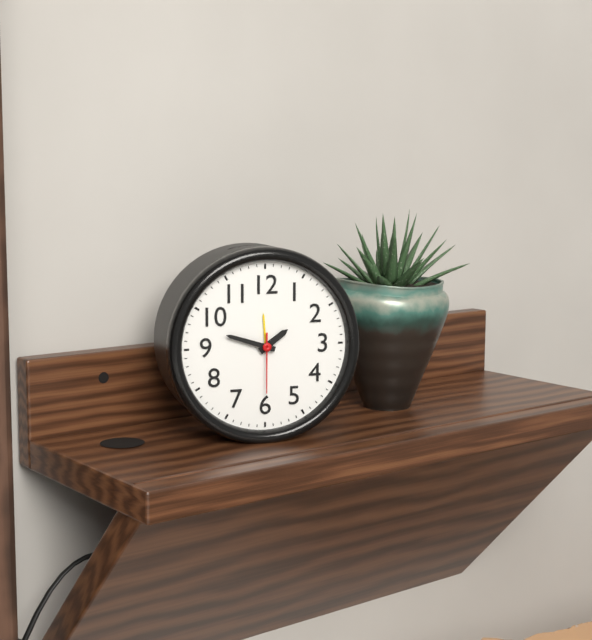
1:48:30
